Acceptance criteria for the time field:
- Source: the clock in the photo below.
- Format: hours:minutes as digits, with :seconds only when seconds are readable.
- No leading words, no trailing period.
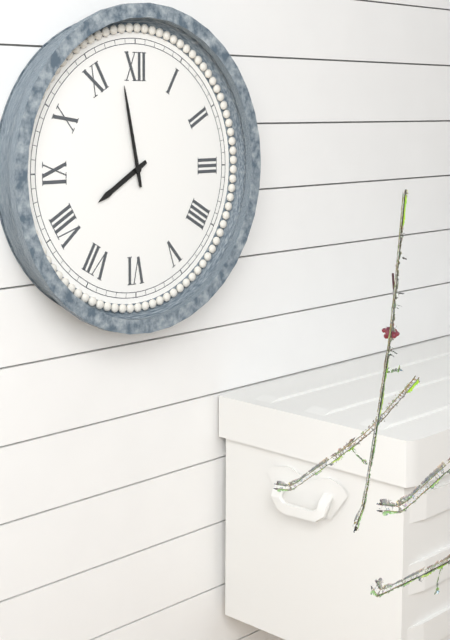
7:58
